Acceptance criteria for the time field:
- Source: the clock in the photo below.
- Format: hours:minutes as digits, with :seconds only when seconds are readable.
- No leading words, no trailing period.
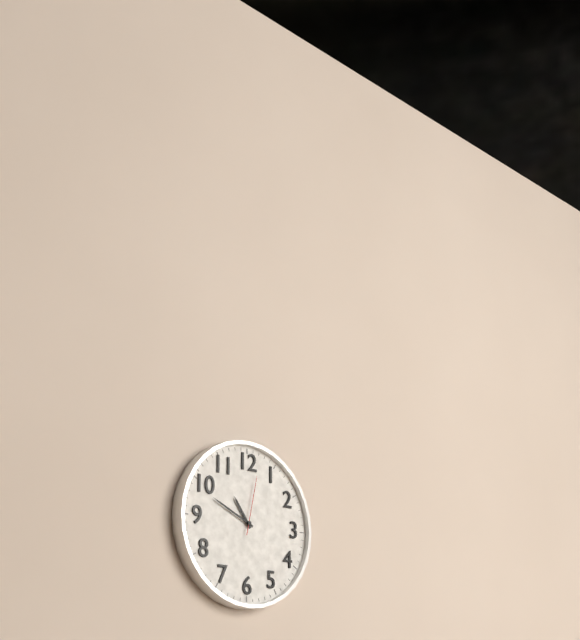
10:49:02
